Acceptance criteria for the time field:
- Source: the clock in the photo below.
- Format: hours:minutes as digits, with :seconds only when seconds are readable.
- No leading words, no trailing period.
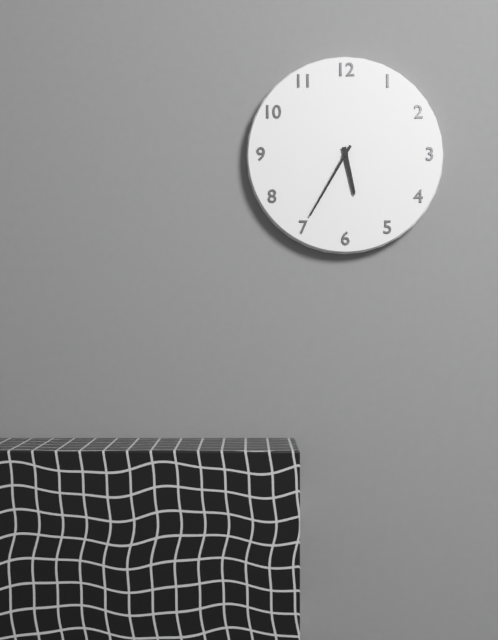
5:35
